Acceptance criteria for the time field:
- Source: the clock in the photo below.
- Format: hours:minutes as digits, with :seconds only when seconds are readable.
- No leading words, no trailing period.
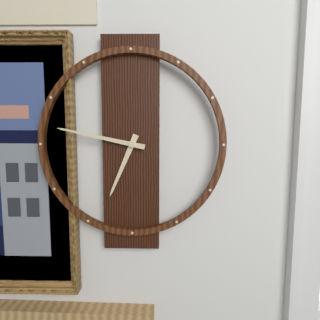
6:47
